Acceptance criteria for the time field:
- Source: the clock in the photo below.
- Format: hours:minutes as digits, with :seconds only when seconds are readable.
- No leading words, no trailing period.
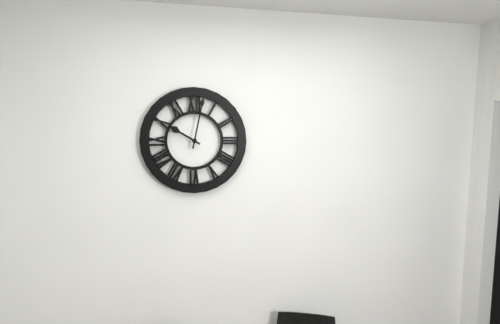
10:02
